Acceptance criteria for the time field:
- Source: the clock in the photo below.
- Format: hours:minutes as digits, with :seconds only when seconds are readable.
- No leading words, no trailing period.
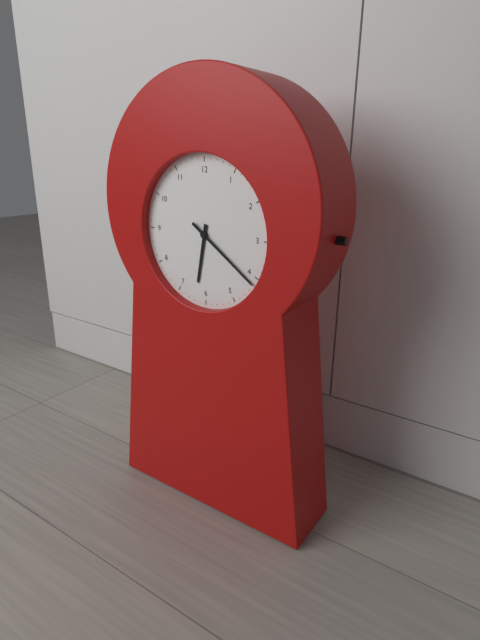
6:21
